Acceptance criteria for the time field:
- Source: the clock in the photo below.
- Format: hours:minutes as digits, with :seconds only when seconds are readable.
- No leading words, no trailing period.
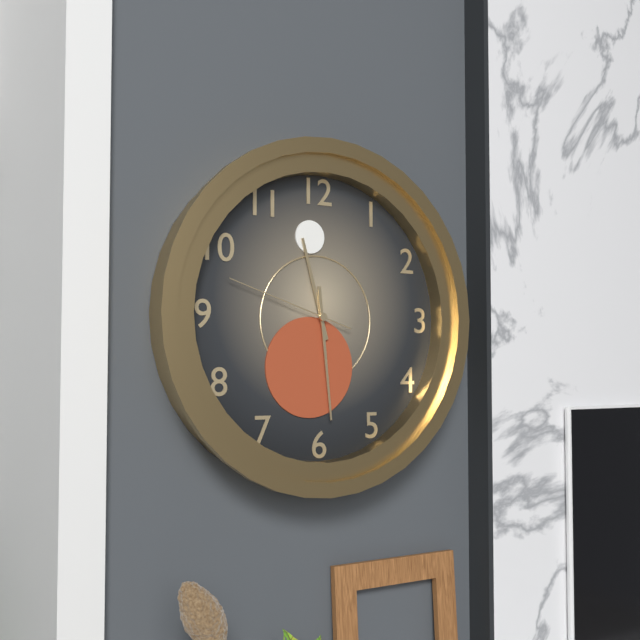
11:29:48
